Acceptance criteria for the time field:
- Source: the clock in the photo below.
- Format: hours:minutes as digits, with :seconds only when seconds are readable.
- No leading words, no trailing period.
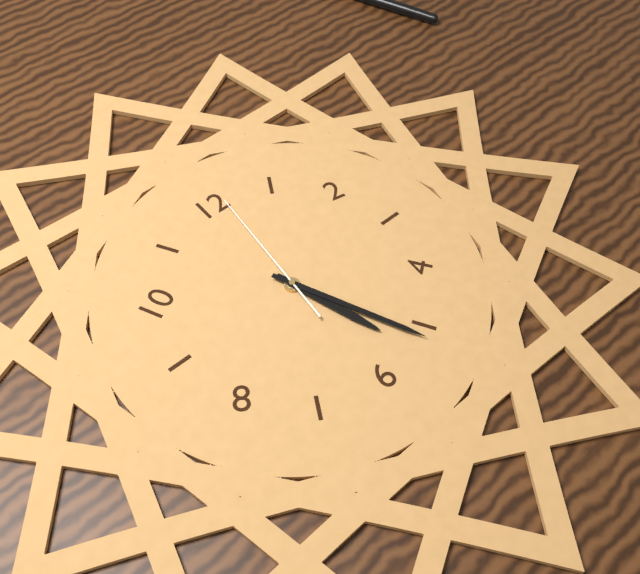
5:26:01
